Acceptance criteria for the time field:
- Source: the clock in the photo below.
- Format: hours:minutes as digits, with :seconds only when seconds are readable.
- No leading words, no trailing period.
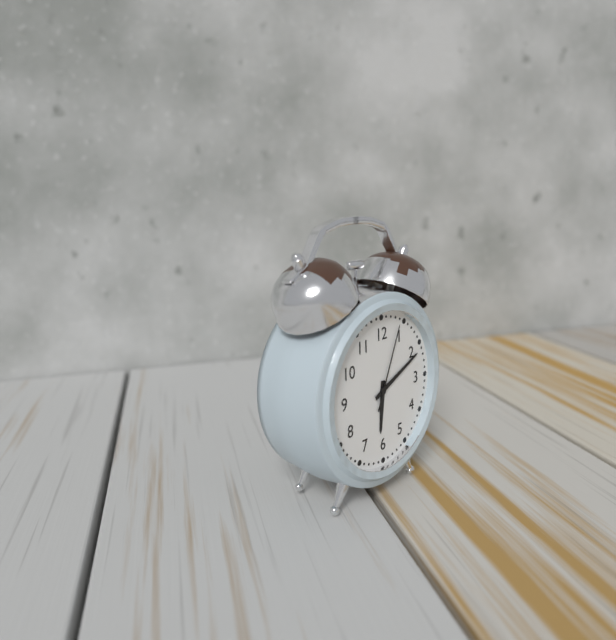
6:11:04
